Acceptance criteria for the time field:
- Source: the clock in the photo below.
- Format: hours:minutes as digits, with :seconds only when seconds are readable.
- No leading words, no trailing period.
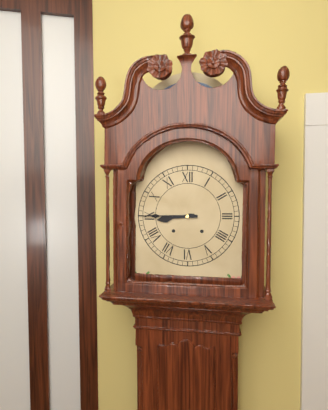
8:45
